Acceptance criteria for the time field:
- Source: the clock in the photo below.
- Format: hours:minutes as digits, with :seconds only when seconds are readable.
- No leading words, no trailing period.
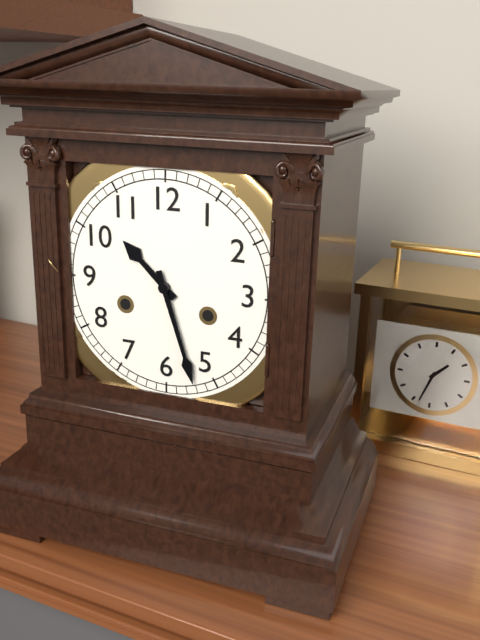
10:27
